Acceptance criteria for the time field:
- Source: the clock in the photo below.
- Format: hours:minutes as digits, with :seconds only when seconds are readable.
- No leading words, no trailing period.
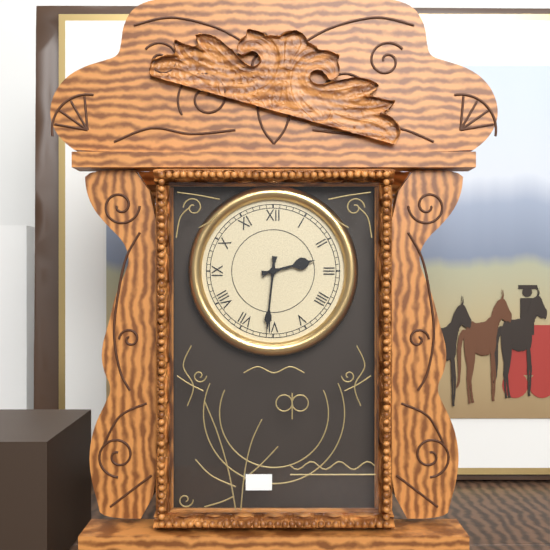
2:31
